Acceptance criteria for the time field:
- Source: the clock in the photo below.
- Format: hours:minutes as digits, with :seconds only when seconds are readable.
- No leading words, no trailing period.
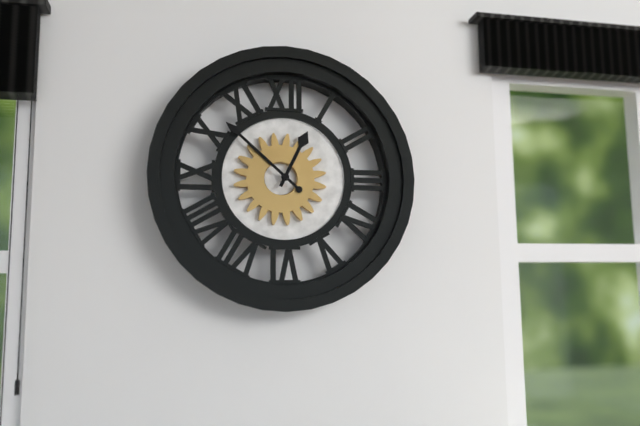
12:52
